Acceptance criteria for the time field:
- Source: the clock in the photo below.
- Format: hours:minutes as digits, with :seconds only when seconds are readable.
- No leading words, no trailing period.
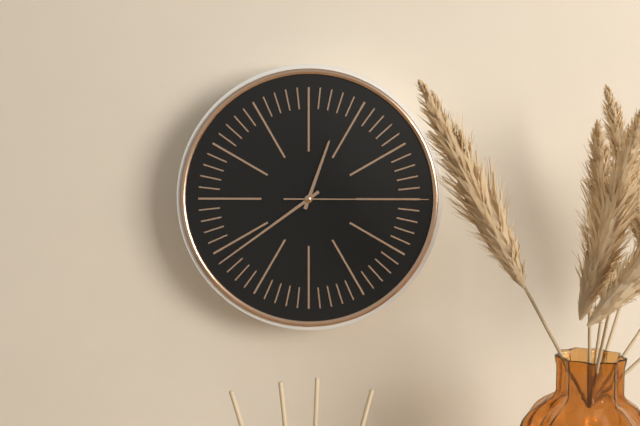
12:39:15
